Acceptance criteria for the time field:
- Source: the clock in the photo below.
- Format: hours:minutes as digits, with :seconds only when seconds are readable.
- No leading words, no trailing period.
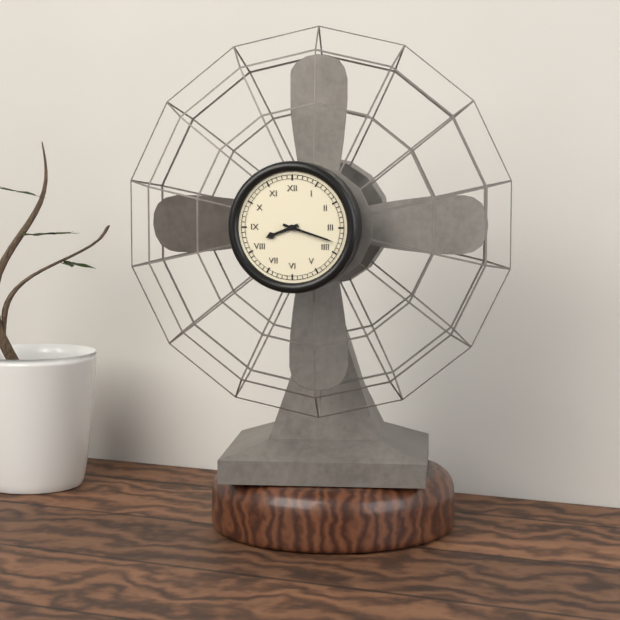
8:18
